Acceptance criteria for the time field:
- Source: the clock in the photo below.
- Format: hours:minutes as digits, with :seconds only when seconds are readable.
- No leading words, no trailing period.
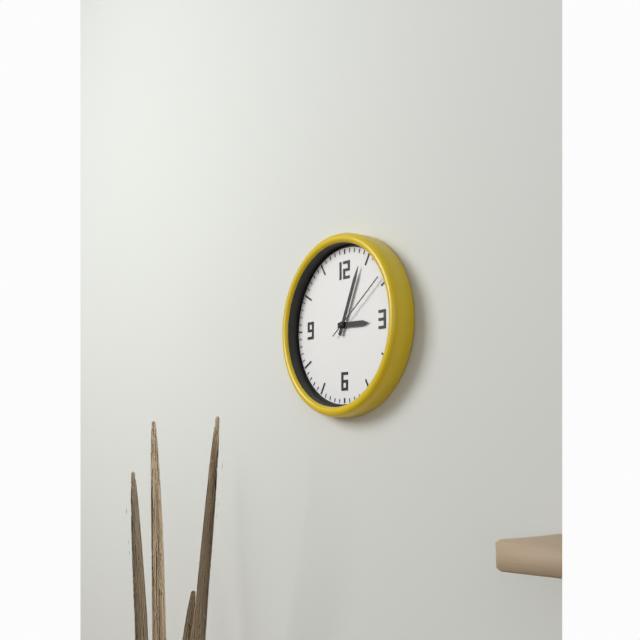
3:04:09
